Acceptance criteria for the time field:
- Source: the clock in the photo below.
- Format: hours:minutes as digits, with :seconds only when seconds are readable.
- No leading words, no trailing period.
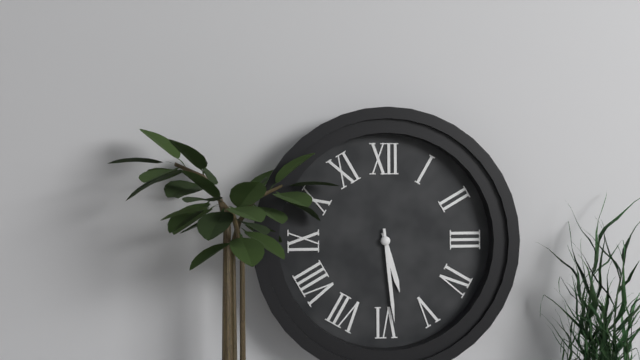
5:29
